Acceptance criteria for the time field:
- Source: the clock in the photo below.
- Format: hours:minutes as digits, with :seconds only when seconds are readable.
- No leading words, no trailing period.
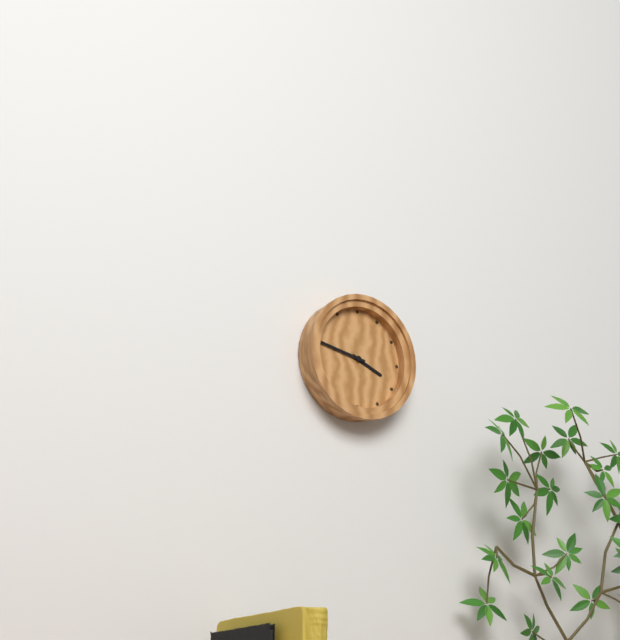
3:47
